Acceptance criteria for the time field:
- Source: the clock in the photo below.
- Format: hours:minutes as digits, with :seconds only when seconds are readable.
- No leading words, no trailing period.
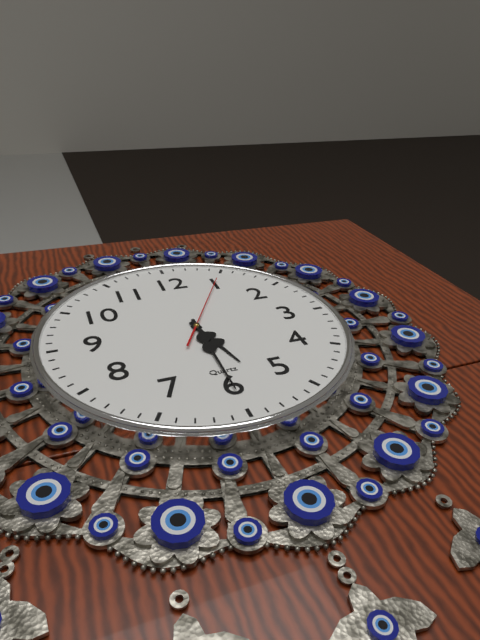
5:30:05
